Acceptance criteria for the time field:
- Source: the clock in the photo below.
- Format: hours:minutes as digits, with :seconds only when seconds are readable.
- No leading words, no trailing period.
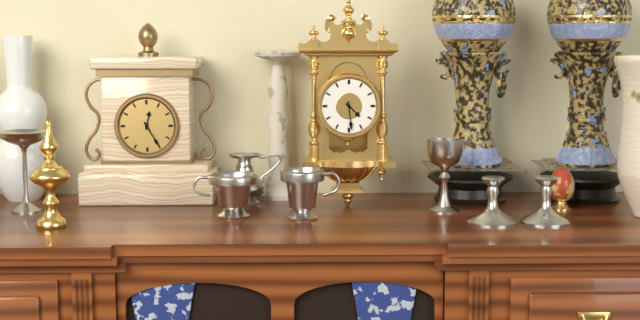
4:29
